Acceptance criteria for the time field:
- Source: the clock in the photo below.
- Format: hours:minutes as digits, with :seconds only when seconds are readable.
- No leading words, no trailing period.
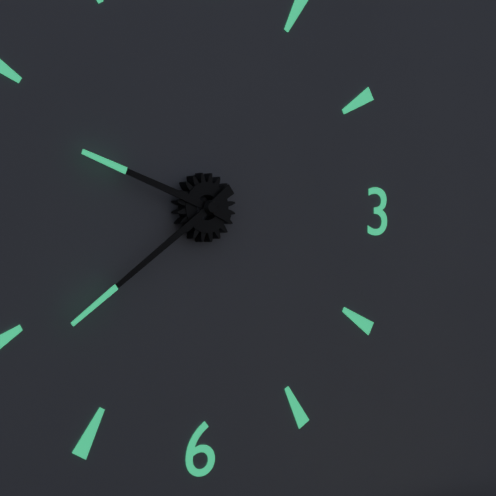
9:39
